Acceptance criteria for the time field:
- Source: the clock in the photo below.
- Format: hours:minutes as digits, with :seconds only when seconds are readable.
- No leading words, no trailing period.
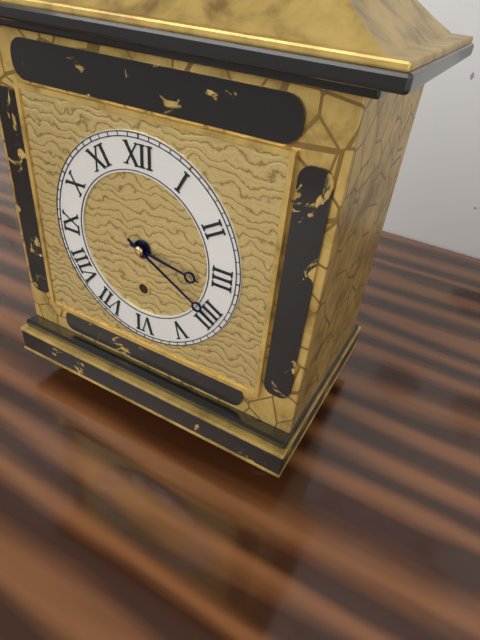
3:20
